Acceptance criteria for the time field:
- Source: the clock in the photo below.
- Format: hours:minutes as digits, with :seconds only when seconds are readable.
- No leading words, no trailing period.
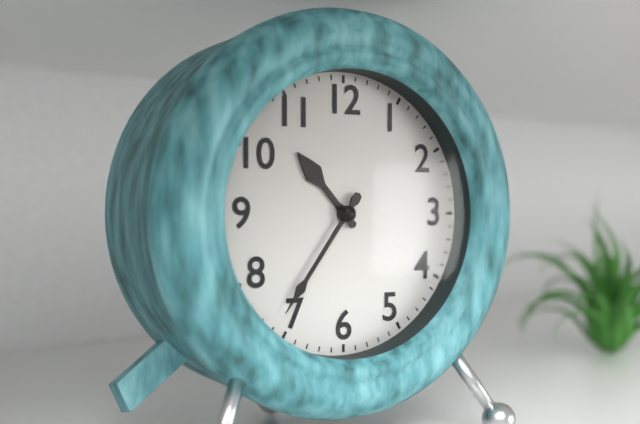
10:36
